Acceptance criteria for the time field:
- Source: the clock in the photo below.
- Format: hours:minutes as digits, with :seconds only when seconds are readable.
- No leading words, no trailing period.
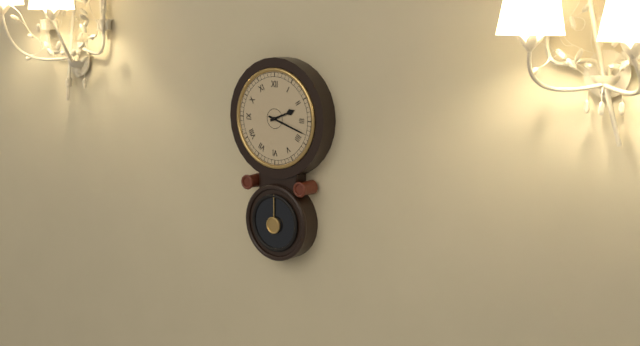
2:18
